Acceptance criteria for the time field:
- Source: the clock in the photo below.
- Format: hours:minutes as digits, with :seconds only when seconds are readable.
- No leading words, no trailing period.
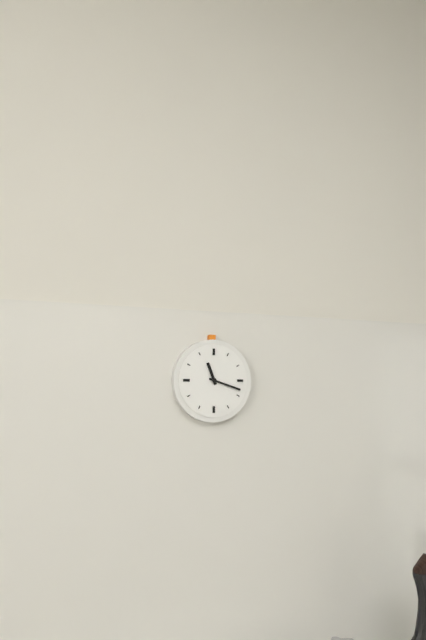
11:18
